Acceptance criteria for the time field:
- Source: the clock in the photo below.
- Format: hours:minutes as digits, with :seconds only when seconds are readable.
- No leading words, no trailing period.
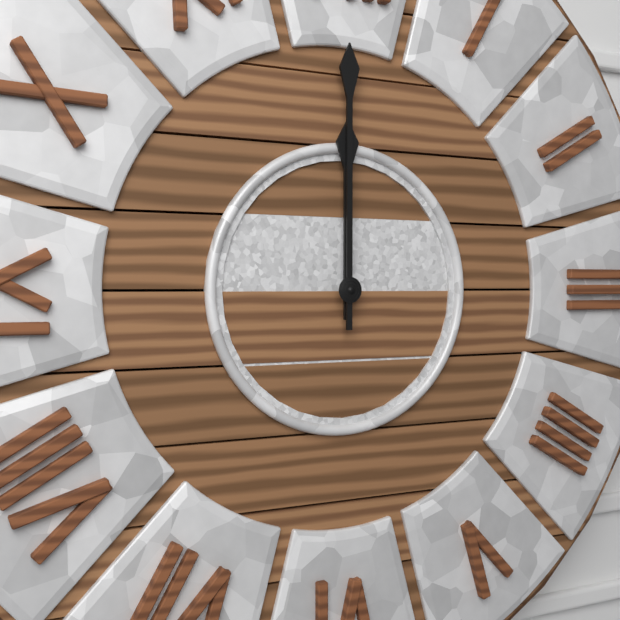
12:00
